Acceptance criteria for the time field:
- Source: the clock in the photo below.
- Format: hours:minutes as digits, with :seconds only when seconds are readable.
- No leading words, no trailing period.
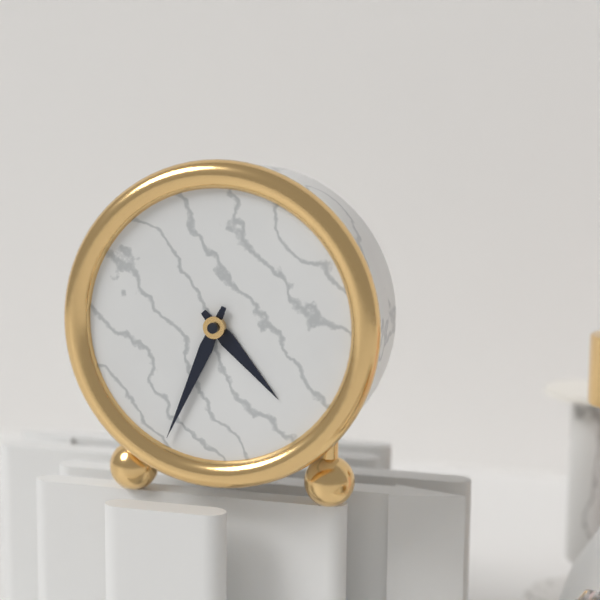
4:34
